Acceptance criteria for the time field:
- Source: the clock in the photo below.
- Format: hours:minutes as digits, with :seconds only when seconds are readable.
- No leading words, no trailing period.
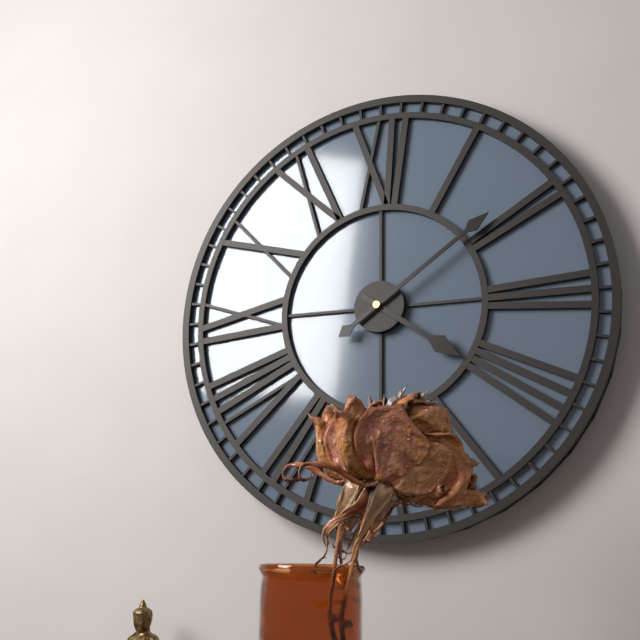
4:09
